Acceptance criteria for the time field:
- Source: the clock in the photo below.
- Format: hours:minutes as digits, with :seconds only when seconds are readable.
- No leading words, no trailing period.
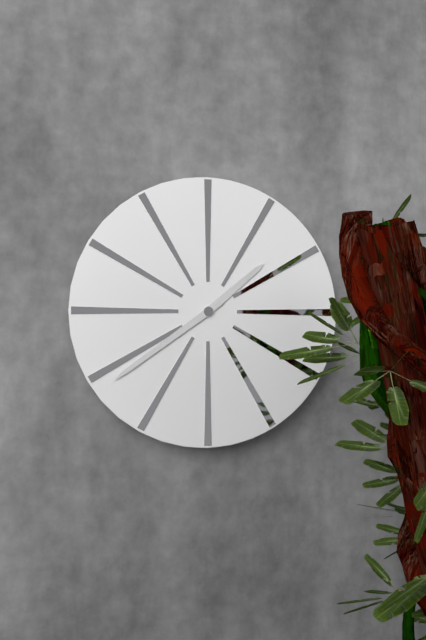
1:39
